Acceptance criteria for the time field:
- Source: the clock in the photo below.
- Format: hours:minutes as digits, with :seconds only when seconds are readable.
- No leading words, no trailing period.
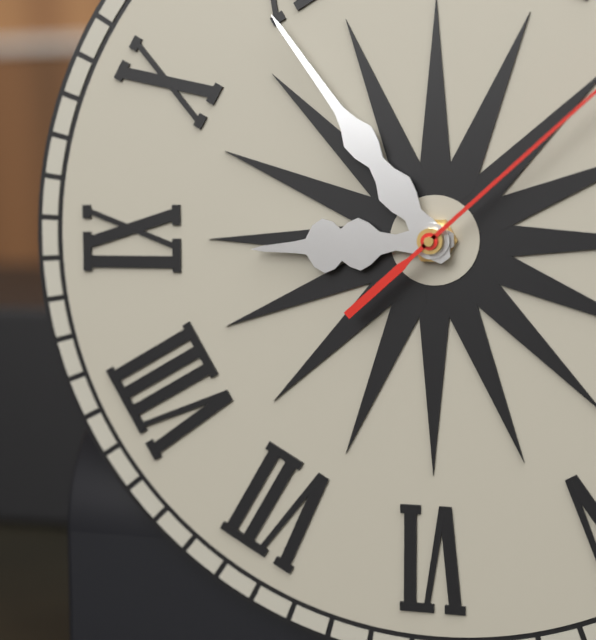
8:54
